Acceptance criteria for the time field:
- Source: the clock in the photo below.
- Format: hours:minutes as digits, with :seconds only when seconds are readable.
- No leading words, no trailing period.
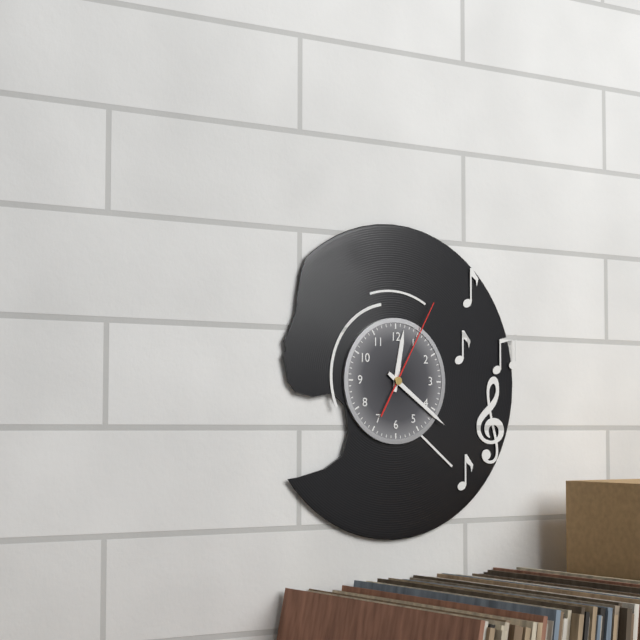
12:21:05
